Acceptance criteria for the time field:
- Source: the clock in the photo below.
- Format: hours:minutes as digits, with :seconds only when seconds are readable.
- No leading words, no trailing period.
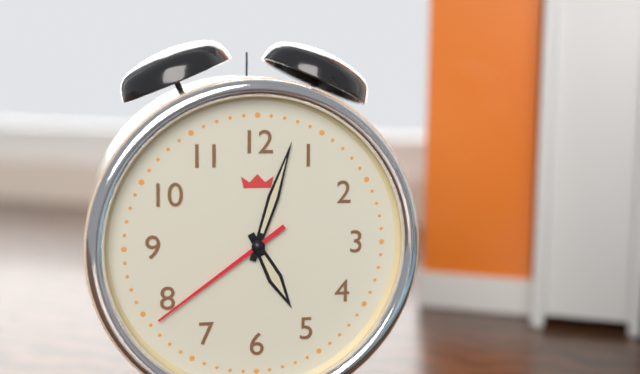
5:03:39
